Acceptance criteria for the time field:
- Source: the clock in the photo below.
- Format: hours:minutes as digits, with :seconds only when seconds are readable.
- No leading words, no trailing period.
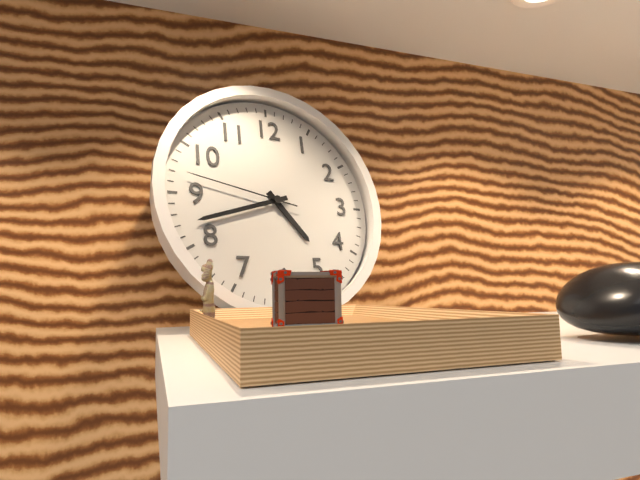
4:42:47
